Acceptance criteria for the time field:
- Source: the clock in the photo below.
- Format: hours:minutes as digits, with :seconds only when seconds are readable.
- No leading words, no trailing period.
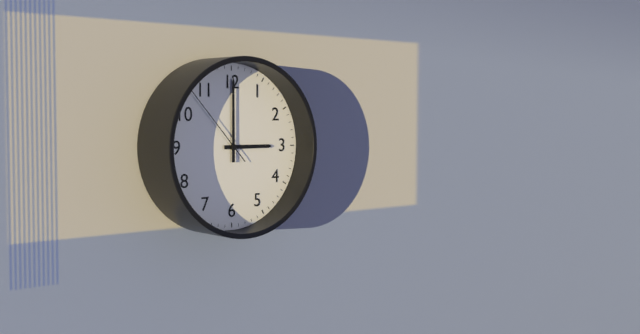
3:00:53
